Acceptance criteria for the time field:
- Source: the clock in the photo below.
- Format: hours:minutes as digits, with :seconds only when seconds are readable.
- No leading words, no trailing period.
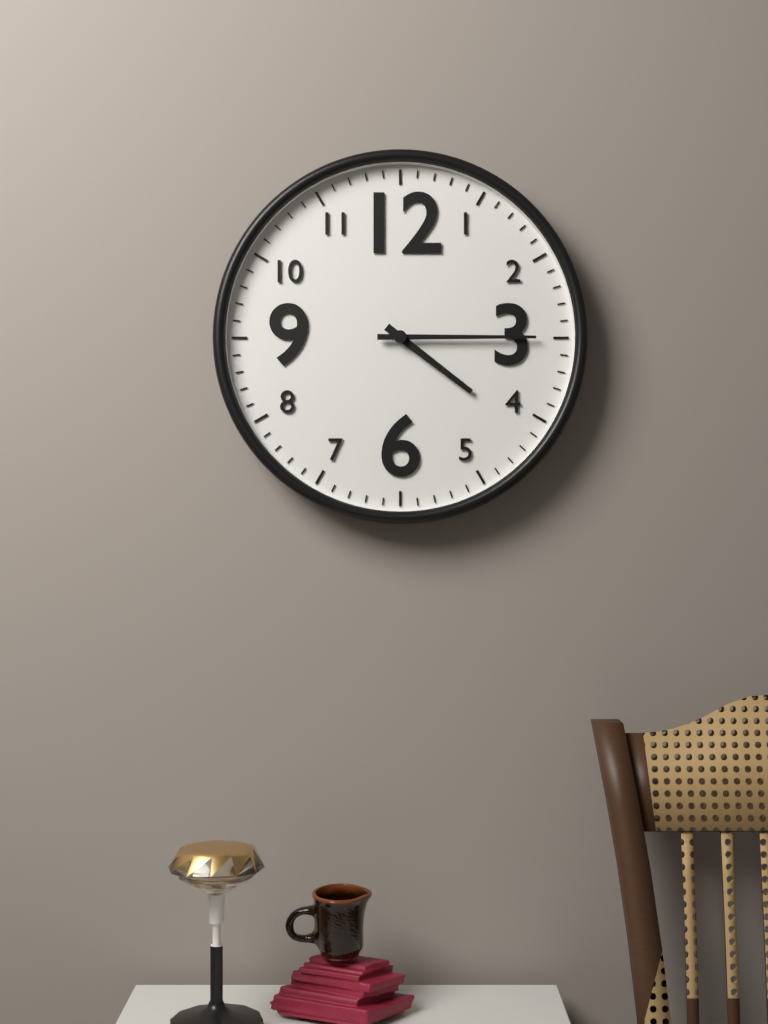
4:15
